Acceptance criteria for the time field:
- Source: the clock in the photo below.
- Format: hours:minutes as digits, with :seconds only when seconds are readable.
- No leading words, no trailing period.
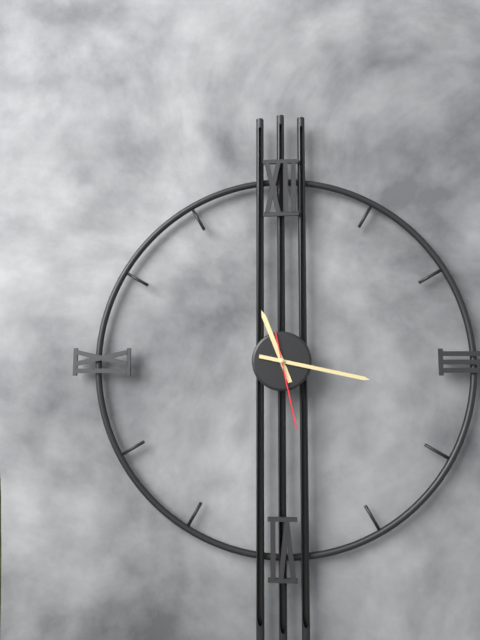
11:17:28
